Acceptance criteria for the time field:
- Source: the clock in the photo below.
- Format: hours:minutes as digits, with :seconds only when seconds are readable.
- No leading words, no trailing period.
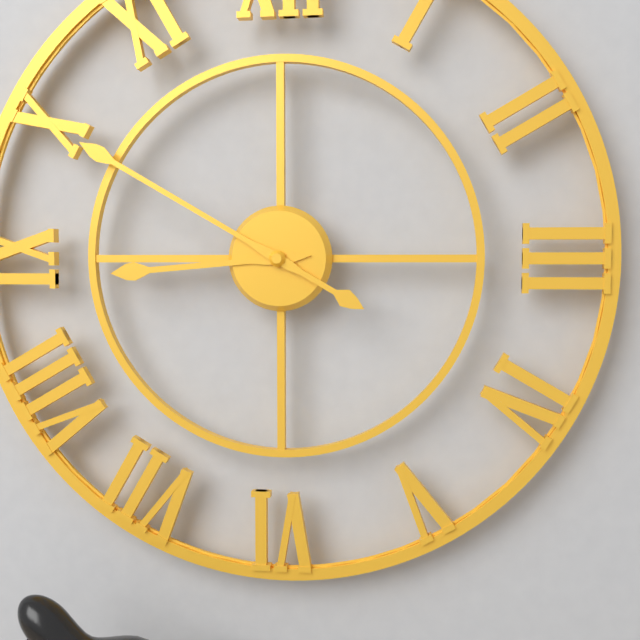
8:50
